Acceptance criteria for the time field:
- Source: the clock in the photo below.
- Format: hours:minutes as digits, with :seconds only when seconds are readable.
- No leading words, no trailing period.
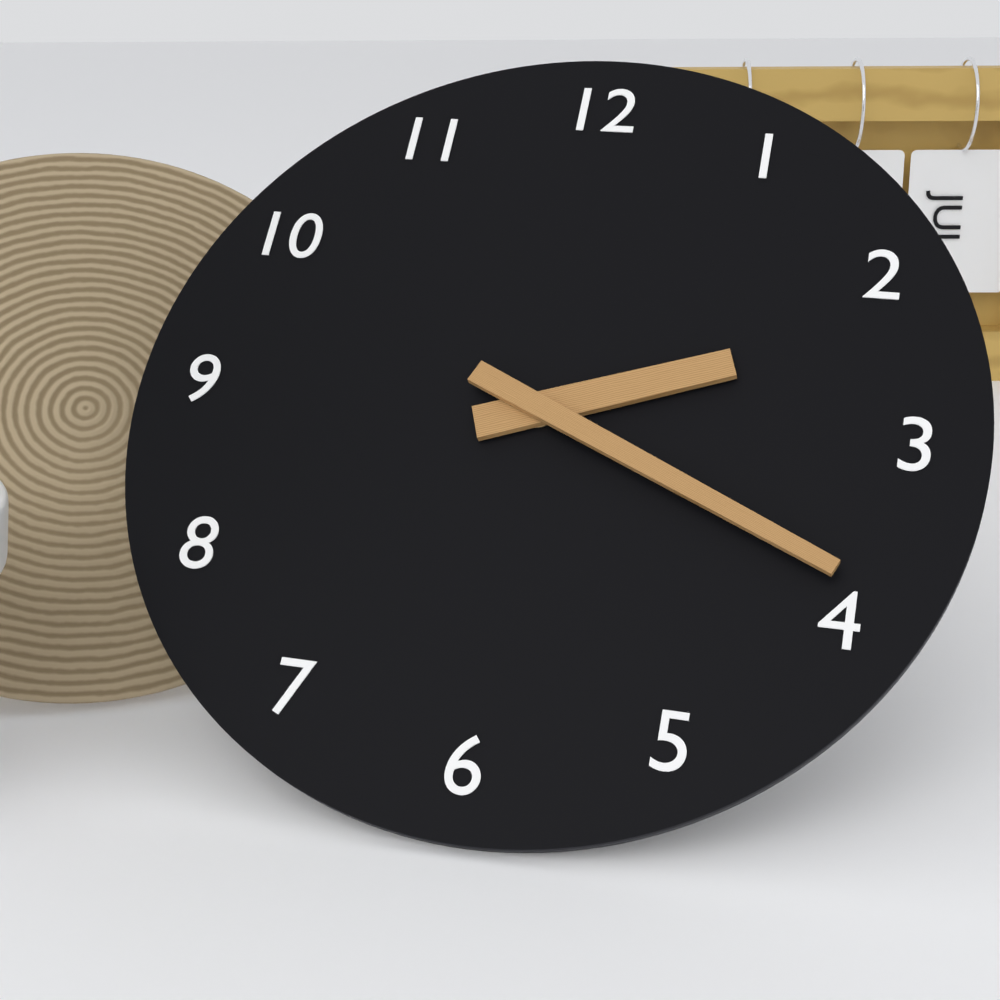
2:19
